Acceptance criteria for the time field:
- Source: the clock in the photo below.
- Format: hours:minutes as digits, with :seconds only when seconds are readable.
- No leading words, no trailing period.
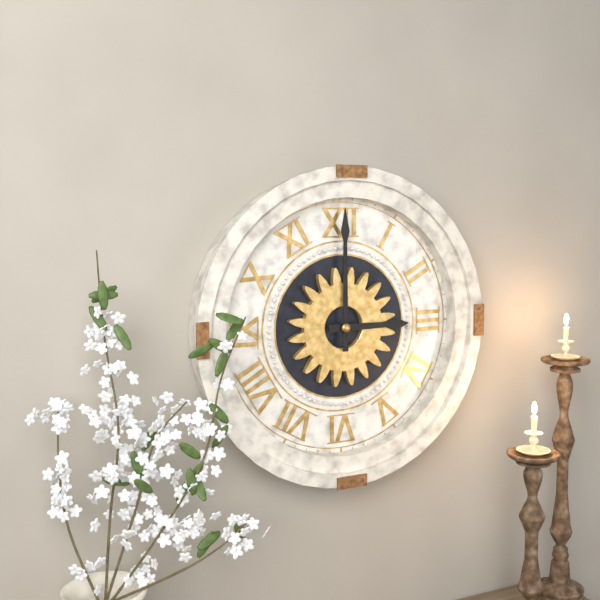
3:00
